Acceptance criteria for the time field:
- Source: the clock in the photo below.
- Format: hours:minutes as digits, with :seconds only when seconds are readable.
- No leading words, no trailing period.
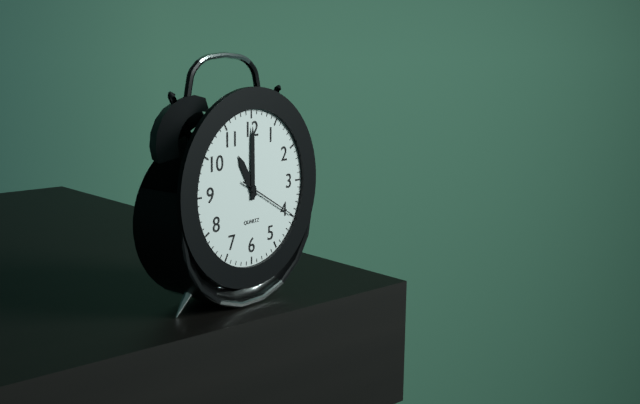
11:00:20
